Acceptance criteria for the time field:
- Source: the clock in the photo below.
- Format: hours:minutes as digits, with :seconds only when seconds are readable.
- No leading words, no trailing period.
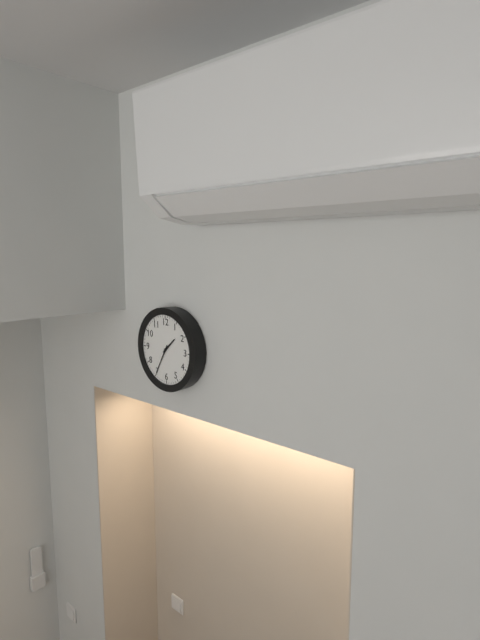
1:35
